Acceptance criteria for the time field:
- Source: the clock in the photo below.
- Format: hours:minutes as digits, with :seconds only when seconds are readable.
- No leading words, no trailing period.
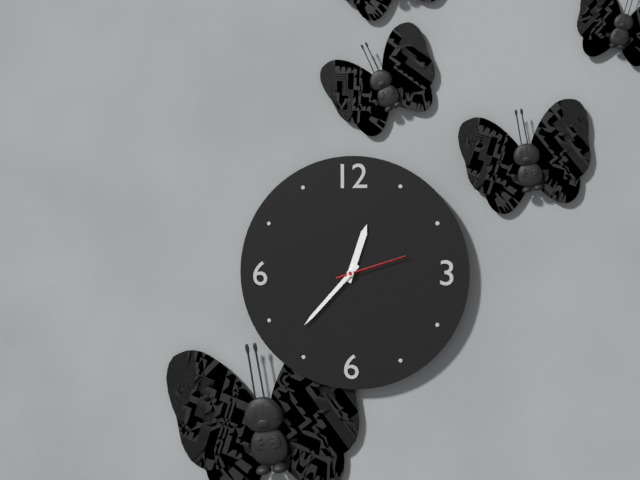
12:37:12
